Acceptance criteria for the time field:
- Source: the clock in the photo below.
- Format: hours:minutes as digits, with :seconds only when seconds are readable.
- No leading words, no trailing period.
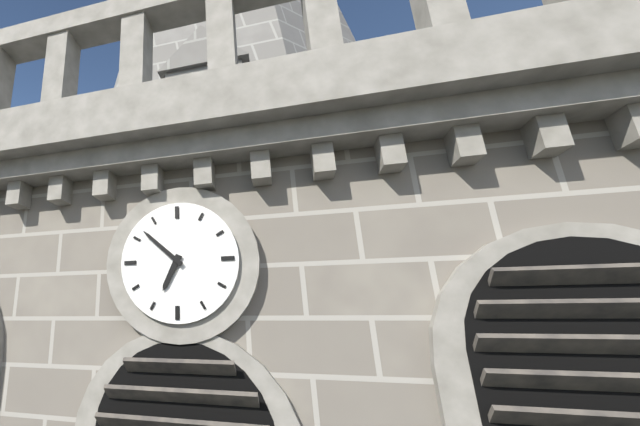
6:52
